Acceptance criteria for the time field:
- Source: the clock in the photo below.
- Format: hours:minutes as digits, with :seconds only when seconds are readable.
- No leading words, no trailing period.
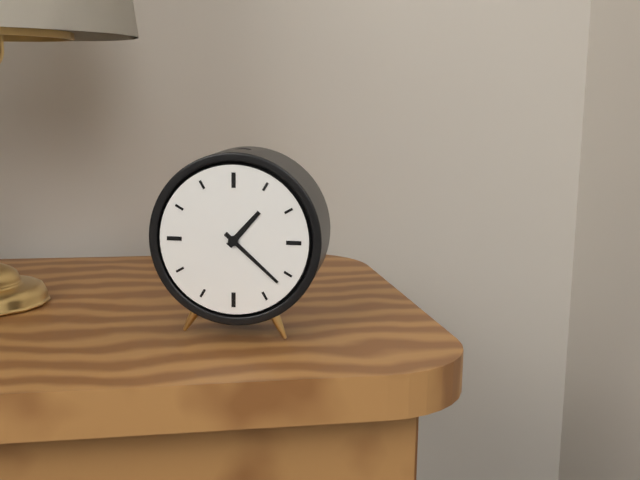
1:22
